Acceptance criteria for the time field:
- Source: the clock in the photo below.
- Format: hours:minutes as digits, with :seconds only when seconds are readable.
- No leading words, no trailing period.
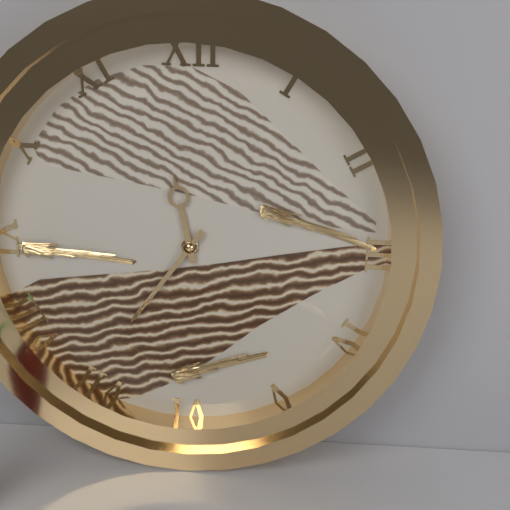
11:36
